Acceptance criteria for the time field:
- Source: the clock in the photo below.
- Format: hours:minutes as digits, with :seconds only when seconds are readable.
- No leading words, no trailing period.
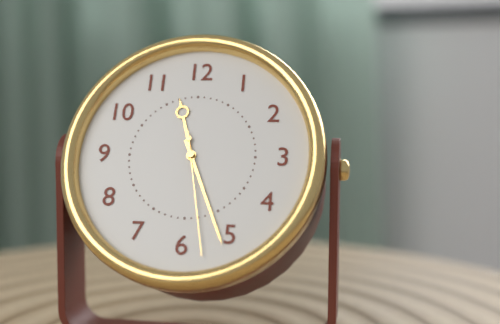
11:26:28
